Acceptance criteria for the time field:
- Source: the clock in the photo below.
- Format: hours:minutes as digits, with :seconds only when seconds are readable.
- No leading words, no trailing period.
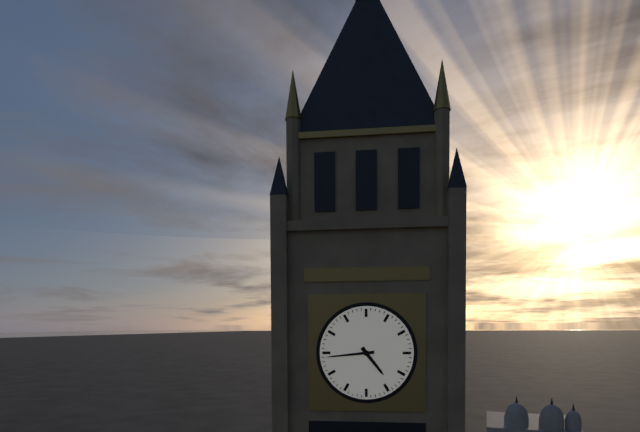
4:44
